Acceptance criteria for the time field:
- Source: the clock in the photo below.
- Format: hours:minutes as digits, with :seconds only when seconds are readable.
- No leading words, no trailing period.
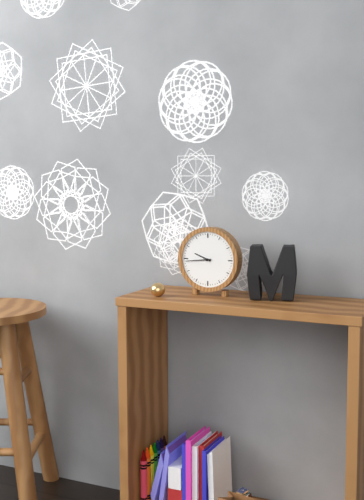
9:44
